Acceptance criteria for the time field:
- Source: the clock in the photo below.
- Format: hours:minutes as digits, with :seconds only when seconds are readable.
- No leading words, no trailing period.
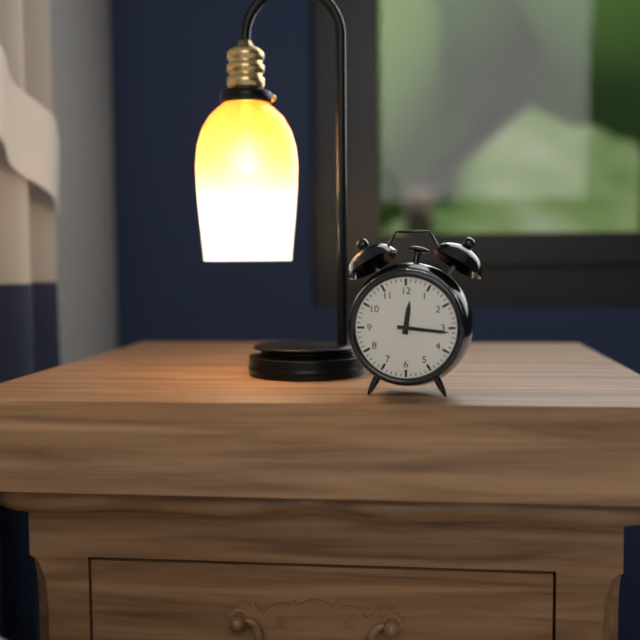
12:16
